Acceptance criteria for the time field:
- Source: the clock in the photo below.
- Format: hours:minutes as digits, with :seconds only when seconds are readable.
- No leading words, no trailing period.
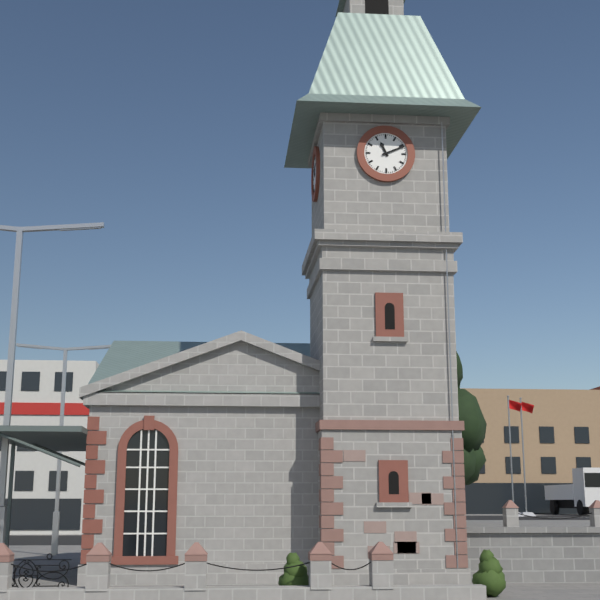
11:11
